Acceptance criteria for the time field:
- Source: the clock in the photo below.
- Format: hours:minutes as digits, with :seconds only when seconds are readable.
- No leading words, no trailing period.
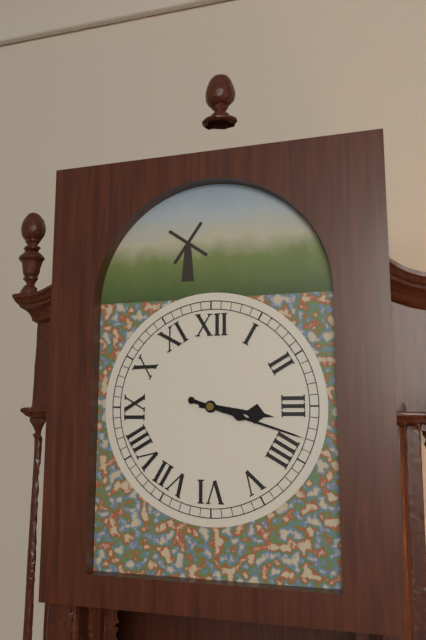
3:18
